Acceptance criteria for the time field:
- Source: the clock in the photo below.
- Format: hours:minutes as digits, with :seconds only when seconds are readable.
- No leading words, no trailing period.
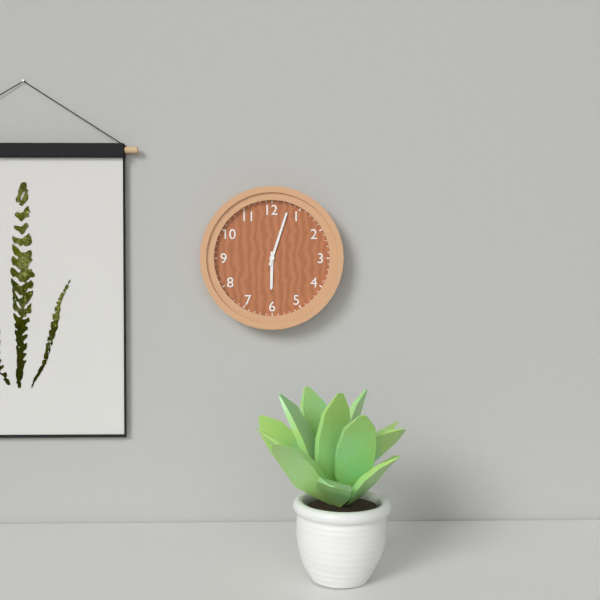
6:03
